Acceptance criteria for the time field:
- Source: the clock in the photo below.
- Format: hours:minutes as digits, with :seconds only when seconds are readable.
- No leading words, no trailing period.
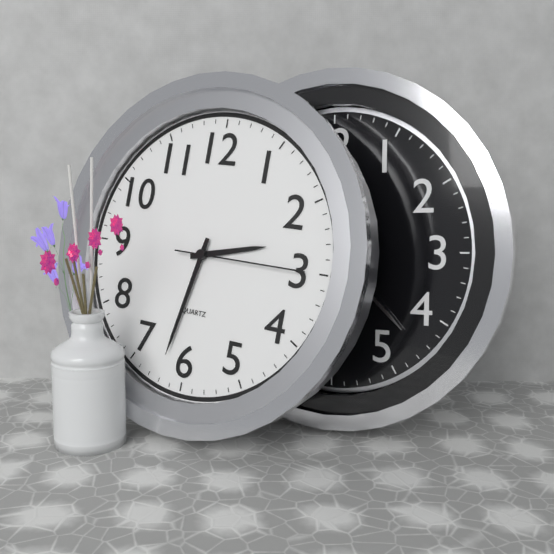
2:32:15
